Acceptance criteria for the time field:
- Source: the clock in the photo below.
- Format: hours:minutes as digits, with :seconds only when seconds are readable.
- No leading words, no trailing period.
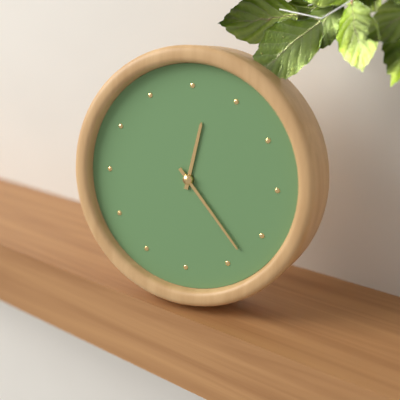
12:23
